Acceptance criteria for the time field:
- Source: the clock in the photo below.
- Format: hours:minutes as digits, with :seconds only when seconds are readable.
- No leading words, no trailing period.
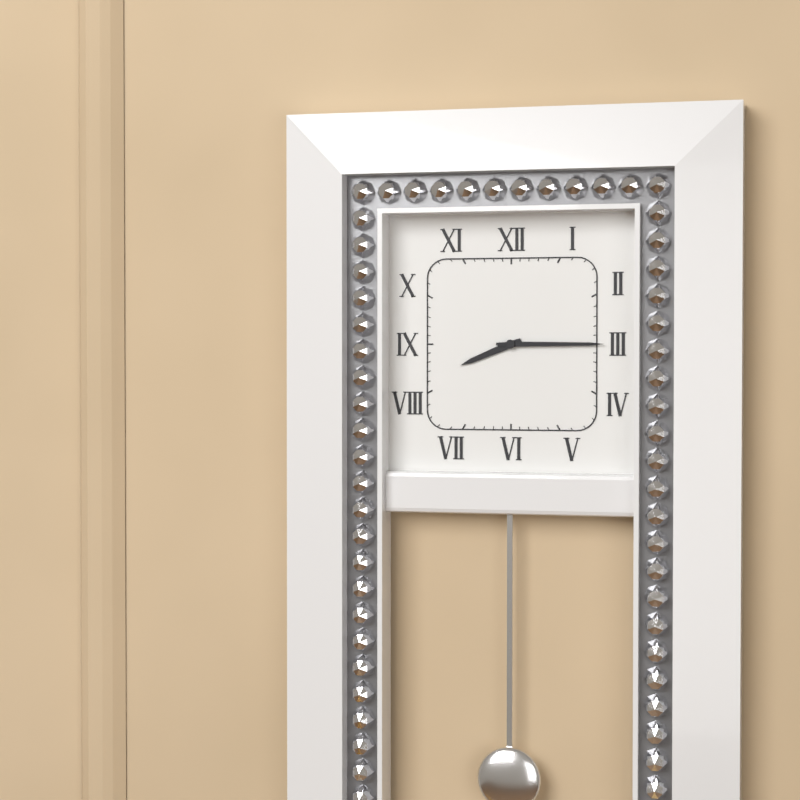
8:15
